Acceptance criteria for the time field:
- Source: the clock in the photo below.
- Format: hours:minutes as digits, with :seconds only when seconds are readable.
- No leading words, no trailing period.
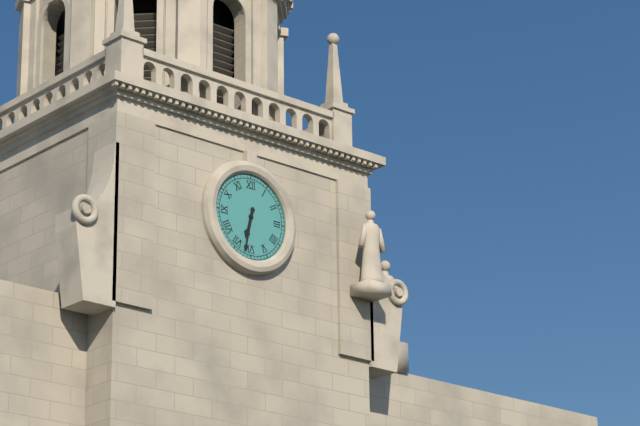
6:32
